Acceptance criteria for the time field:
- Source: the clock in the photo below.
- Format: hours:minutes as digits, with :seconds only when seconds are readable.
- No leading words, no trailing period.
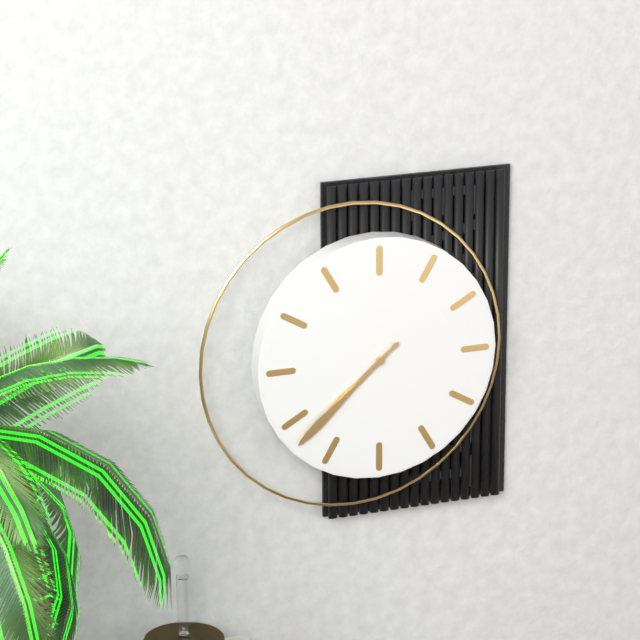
7:38
